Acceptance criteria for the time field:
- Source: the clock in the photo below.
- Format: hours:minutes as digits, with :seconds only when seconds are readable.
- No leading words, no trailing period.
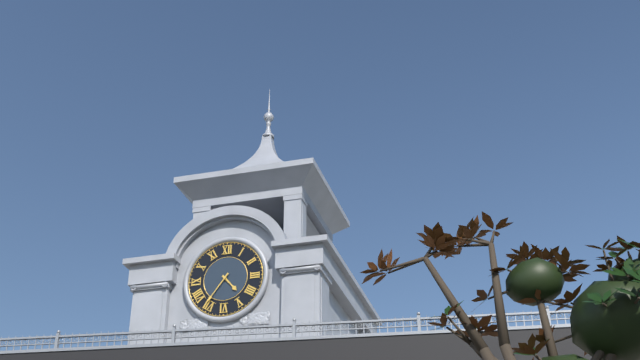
4:36
